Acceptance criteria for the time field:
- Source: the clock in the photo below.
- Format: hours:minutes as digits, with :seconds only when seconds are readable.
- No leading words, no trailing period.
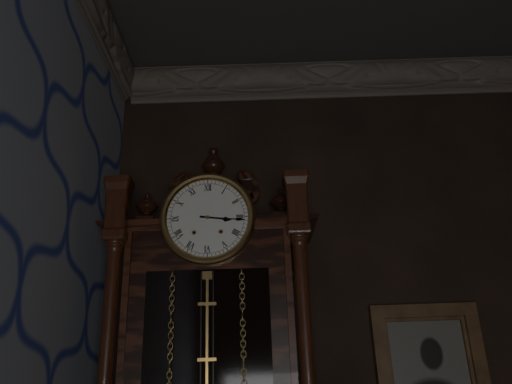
3:16
